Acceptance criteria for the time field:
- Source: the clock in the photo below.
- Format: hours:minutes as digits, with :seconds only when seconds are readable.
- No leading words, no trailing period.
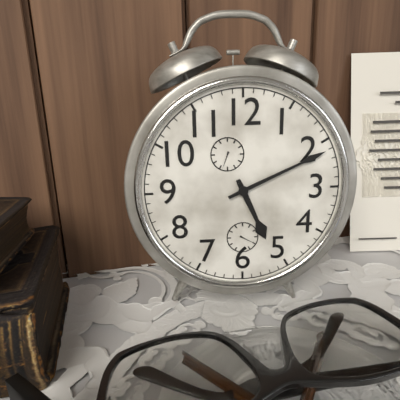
5:11
